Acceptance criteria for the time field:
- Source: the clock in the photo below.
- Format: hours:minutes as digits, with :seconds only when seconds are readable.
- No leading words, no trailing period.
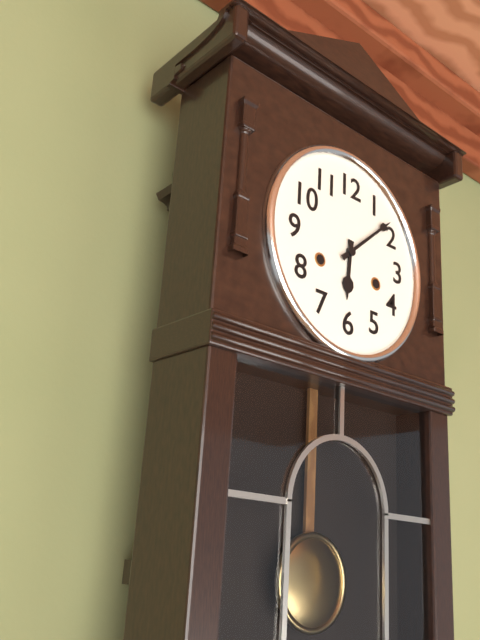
6:08
